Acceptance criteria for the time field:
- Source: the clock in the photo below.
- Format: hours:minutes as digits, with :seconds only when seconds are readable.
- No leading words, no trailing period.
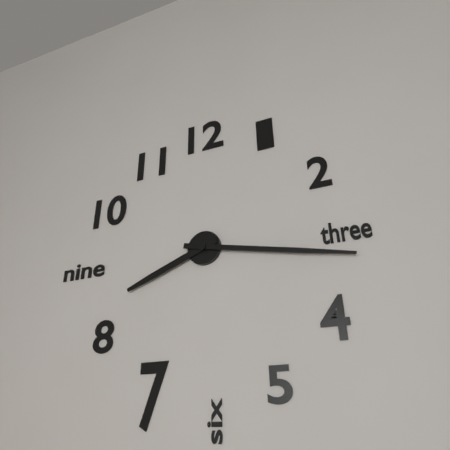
8:17
